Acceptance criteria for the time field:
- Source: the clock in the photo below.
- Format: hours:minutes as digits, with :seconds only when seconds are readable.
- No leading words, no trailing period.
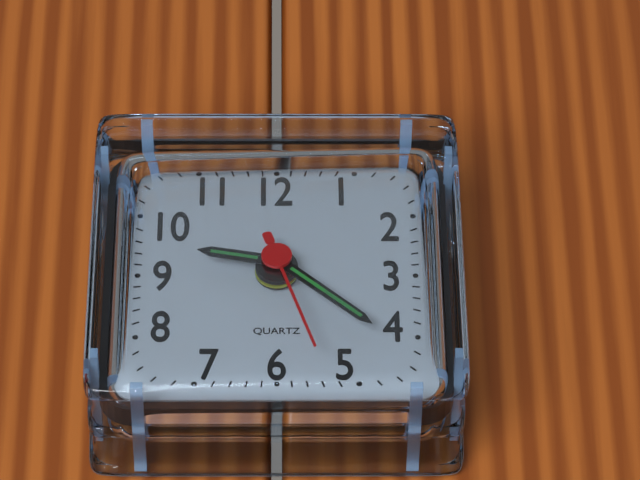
9:22:27
